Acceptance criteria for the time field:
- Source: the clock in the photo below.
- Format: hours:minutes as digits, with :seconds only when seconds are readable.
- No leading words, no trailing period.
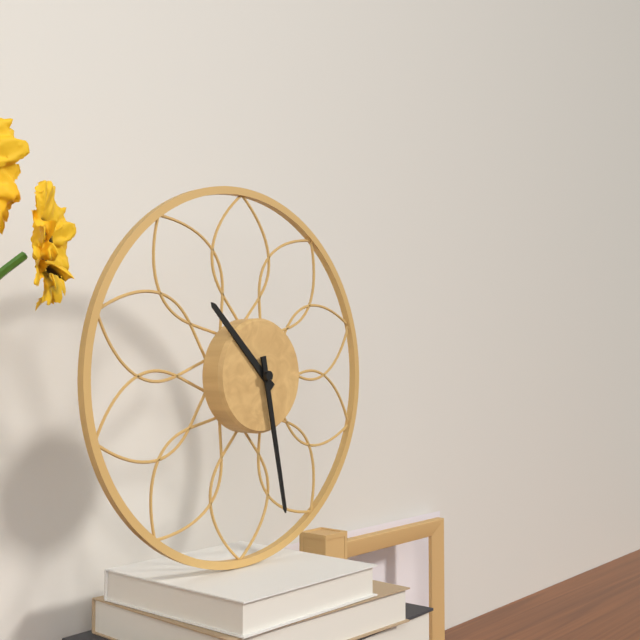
10:28
